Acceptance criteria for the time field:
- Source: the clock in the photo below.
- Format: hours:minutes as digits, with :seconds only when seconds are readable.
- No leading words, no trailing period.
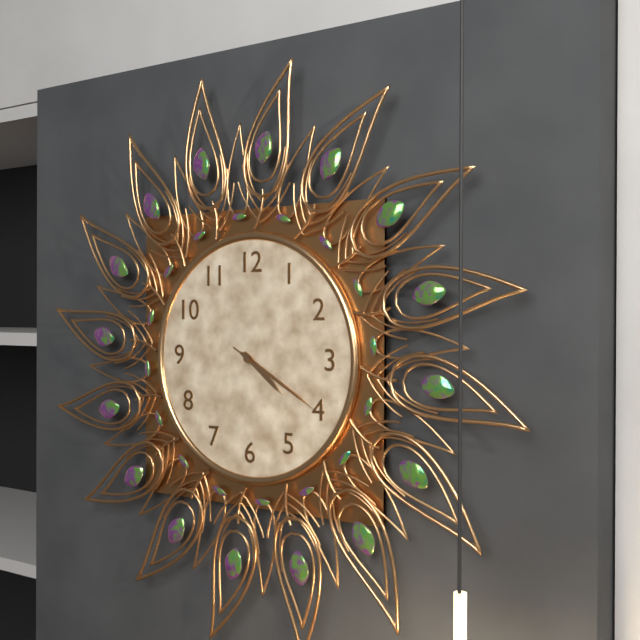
4:20:20
